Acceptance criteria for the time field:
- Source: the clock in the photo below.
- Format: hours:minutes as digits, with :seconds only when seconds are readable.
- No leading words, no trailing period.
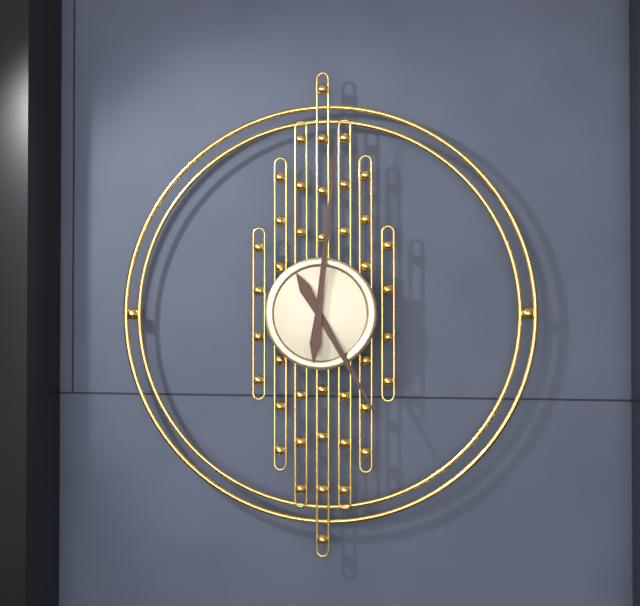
5:01
